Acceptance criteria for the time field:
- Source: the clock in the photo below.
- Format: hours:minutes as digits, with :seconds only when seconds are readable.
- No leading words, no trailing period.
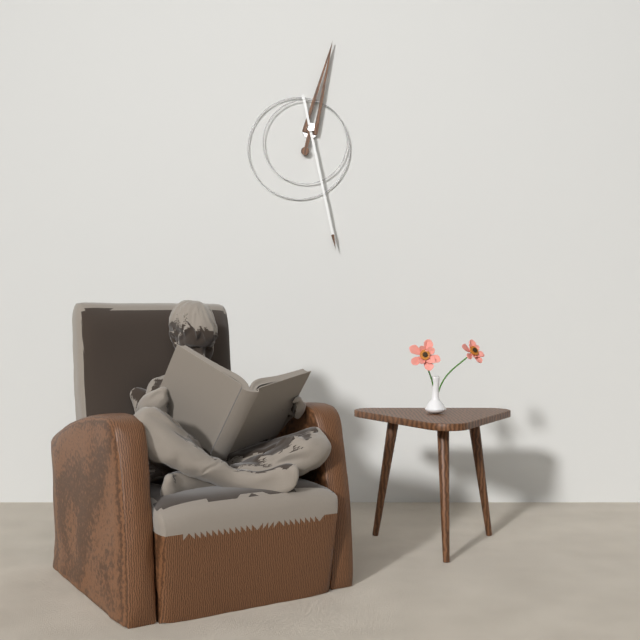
12:28
